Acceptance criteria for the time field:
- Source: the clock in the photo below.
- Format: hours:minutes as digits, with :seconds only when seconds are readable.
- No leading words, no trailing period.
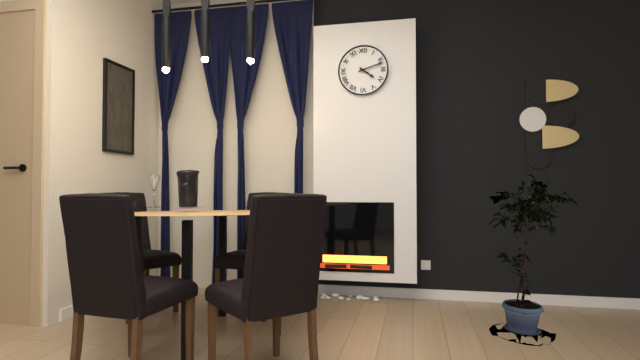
4:12
